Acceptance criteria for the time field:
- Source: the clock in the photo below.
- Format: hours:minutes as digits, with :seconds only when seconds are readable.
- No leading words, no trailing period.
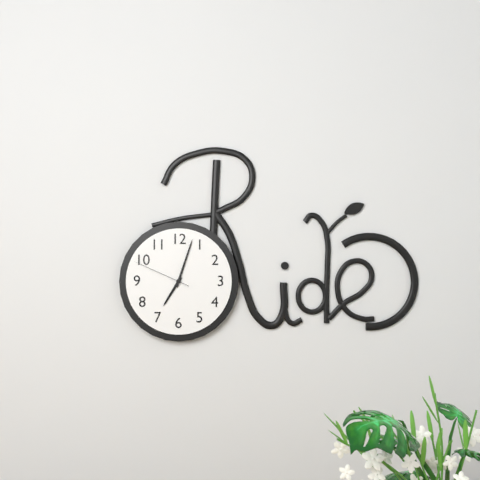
7:03:49
